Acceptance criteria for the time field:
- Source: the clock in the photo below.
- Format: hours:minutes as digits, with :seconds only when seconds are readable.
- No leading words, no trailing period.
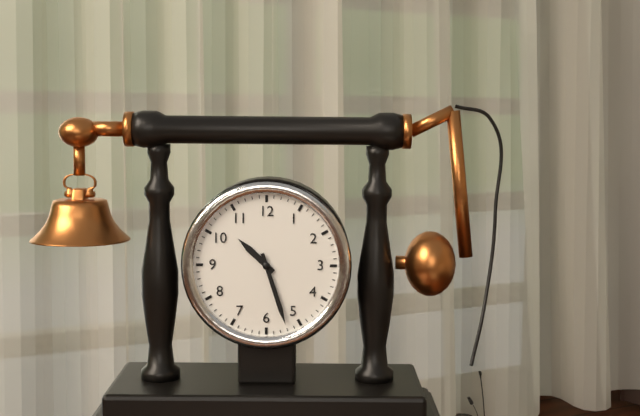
10:27
